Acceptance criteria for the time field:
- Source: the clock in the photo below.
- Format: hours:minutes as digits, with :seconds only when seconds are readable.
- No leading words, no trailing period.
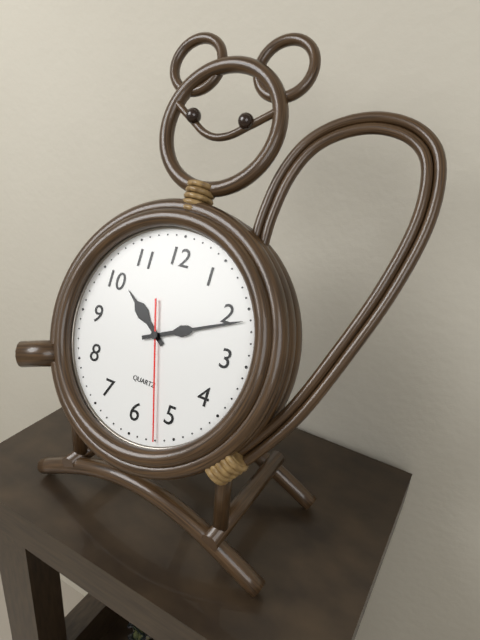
10:11:27
